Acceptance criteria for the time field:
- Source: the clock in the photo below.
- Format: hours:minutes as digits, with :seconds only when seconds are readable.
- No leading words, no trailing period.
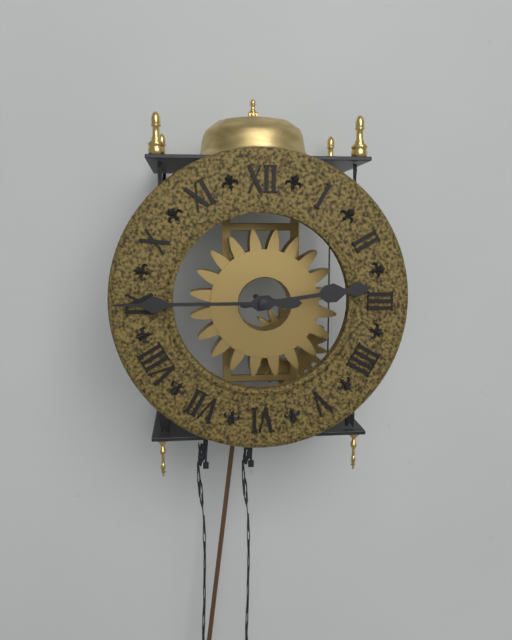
2:45
